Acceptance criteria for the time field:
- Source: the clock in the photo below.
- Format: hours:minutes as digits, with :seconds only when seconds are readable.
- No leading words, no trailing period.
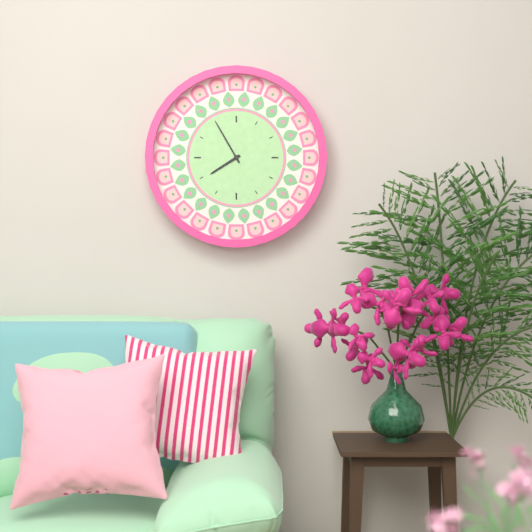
7:55
